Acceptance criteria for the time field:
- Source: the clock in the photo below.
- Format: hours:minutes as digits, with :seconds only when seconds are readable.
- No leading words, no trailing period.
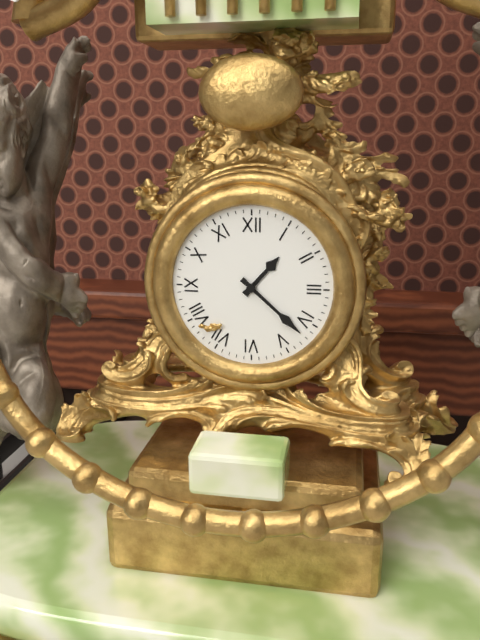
1:22
